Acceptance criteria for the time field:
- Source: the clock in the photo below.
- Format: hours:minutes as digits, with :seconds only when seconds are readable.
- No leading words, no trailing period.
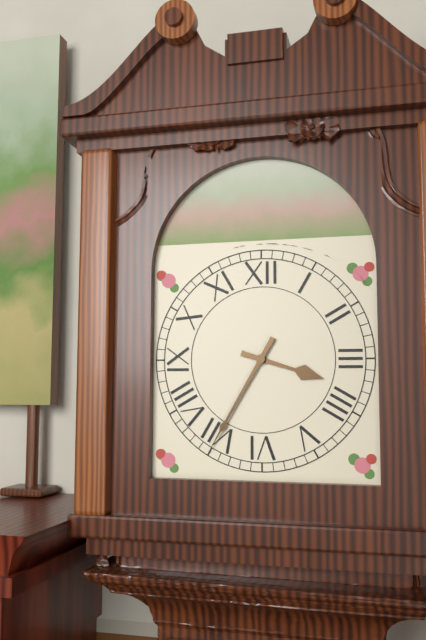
3:35
